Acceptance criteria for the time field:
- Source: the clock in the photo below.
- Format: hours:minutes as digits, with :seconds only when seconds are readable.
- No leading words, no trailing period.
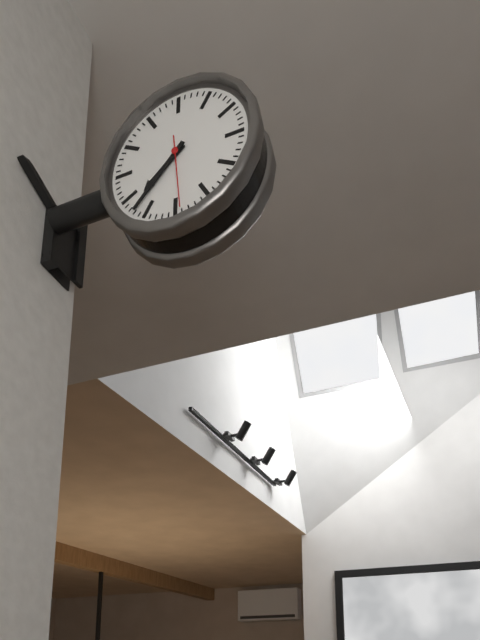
7:37:29
